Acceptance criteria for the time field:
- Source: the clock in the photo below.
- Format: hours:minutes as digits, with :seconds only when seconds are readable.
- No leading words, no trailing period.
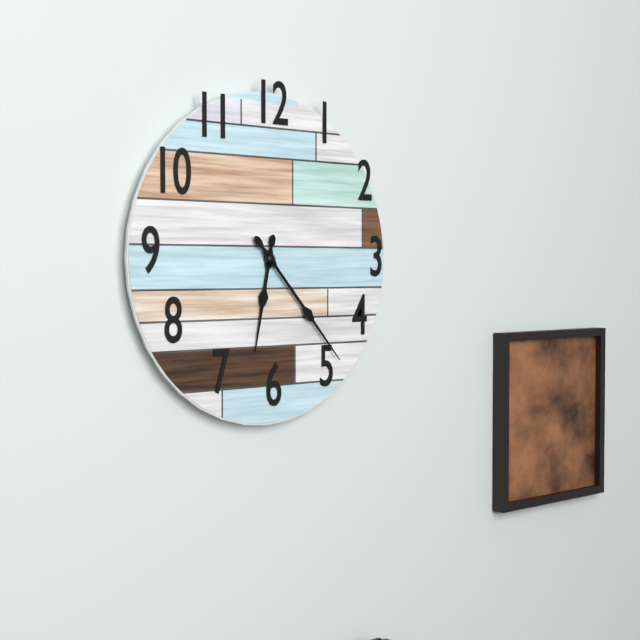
6:23
